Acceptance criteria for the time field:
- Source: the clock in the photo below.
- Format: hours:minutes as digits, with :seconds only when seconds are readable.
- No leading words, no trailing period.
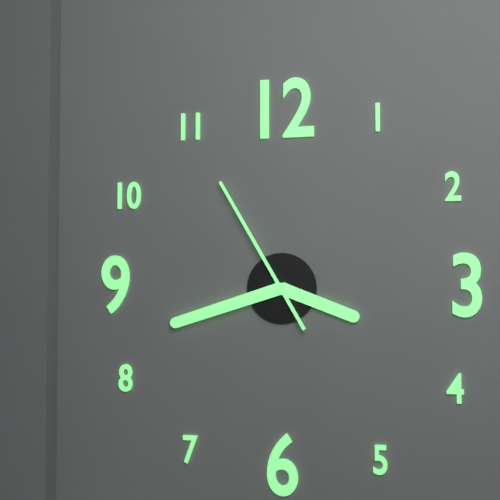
3:42:55
